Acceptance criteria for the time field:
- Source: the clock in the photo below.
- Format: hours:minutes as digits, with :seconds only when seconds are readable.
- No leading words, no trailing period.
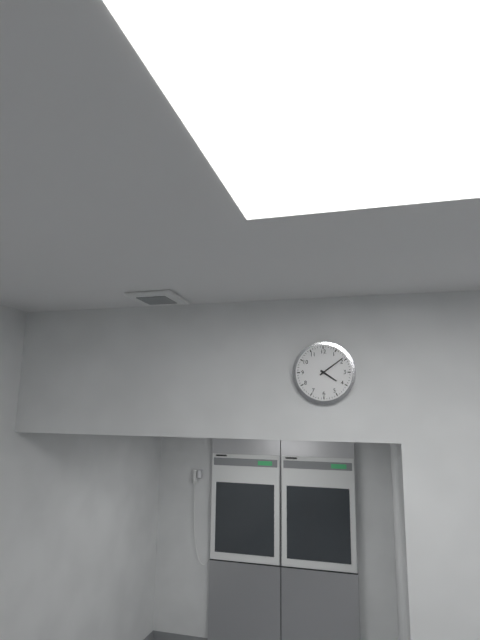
4:09
